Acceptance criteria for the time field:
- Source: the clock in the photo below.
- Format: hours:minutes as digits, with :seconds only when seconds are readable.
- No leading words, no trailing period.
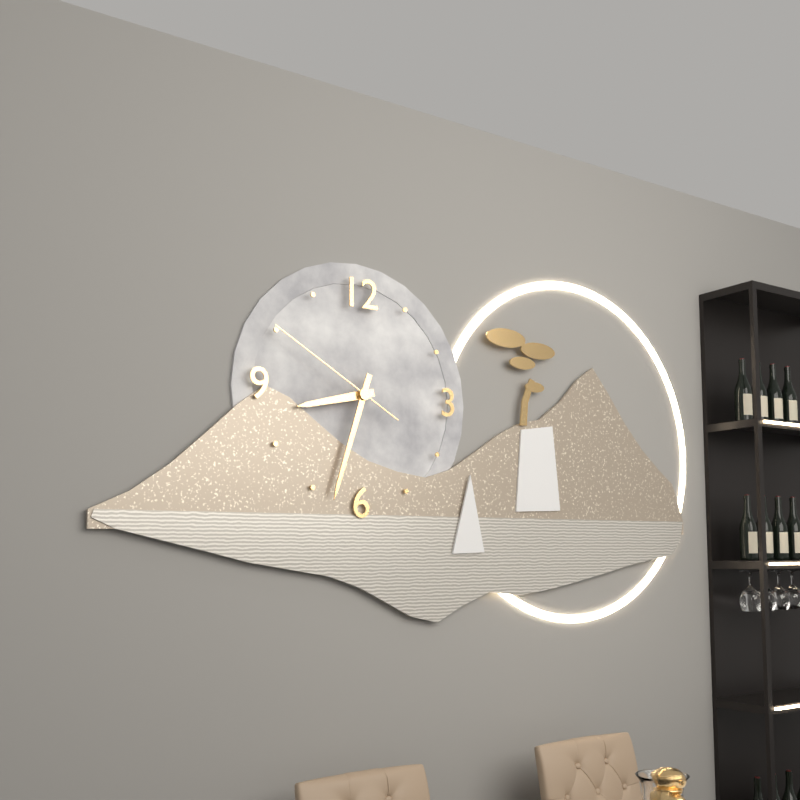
8:33:50
